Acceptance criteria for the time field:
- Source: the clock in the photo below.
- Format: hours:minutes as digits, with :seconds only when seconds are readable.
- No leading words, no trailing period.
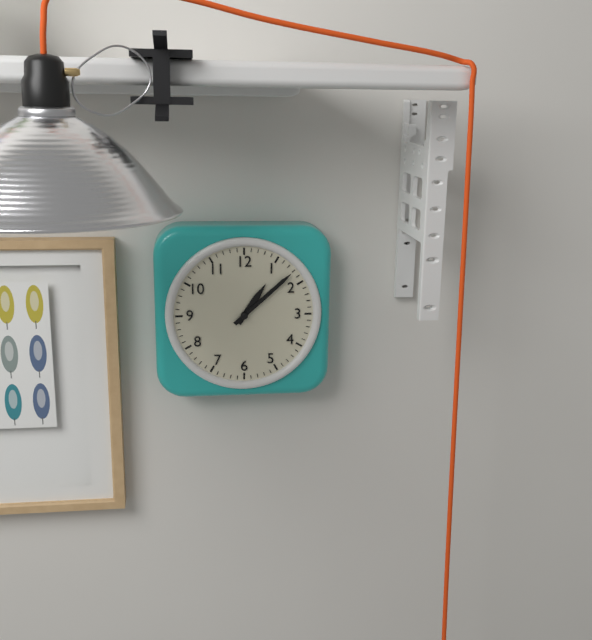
1:08
